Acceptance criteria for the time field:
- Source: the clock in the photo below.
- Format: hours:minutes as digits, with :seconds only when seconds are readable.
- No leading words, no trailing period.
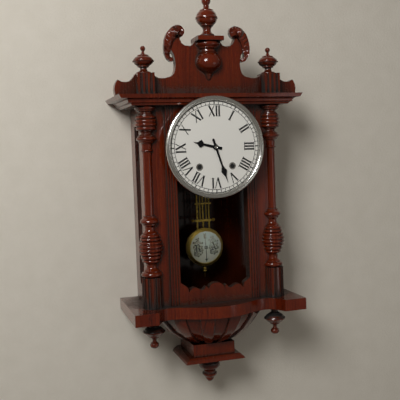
9:27
